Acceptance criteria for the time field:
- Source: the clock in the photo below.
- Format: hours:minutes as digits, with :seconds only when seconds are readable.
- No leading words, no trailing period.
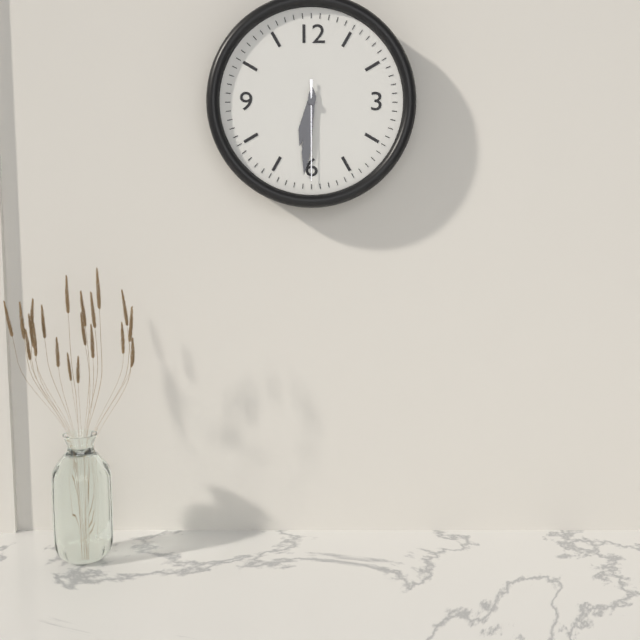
6:31:30
